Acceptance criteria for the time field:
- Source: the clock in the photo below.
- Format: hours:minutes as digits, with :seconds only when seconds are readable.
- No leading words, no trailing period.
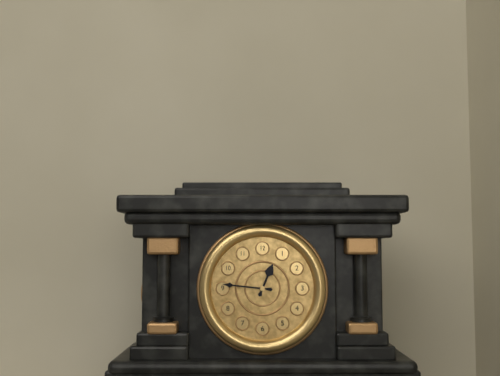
12:46
